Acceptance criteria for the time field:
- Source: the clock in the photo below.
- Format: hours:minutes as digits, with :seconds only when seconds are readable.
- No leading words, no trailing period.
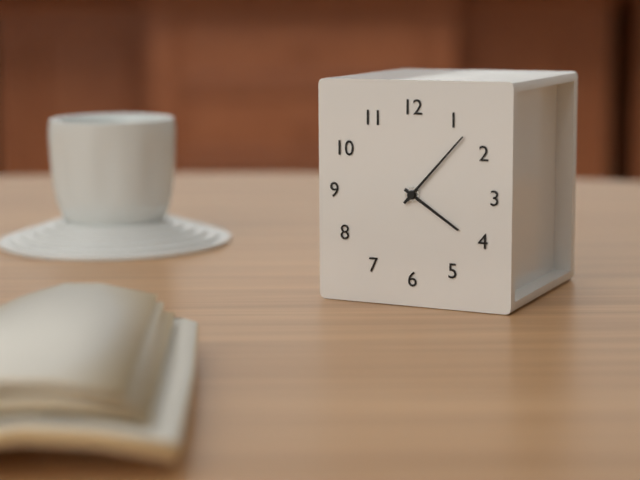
4:07
